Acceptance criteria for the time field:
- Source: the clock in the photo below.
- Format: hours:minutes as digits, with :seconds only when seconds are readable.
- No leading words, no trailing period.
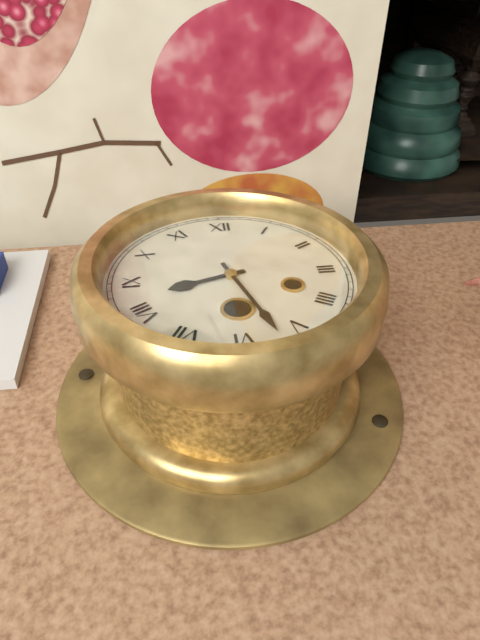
8:27
